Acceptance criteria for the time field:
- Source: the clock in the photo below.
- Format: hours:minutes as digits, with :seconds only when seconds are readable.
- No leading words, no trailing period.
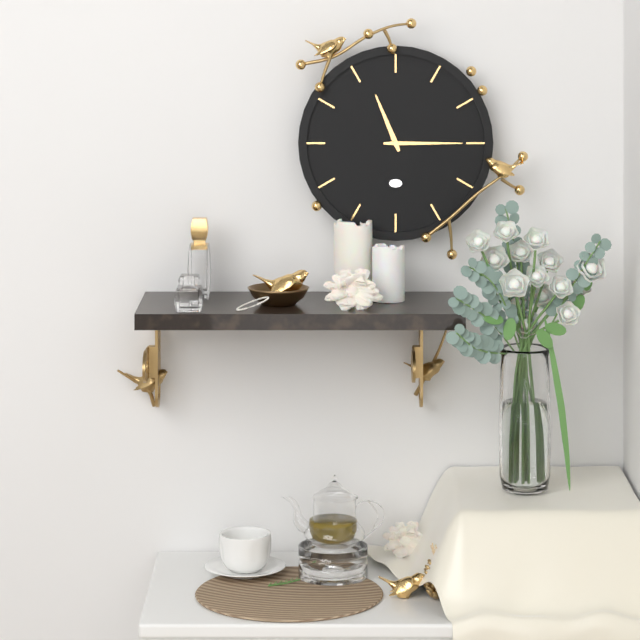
11:15
